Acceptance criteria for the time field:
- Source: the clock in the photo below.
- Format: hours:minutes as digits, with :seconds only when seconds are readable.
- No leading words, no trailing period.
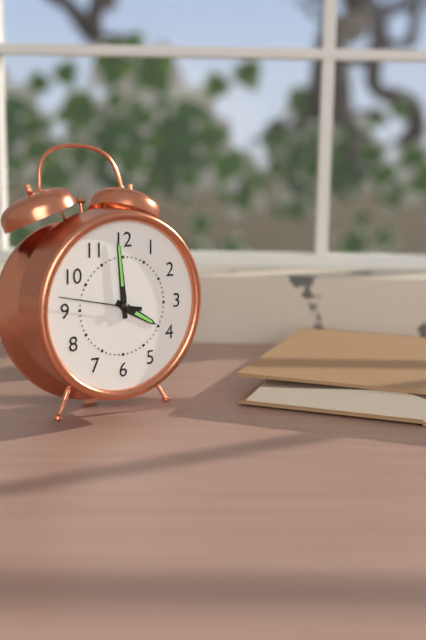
3:59:47
